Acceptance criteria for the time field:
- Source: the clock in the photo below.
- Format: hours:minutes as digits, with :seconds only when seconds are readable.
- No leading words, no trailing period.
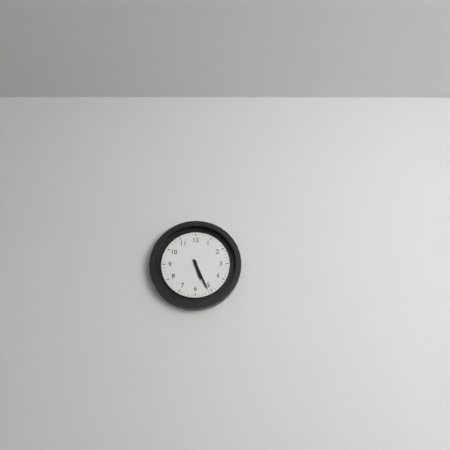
5:26
